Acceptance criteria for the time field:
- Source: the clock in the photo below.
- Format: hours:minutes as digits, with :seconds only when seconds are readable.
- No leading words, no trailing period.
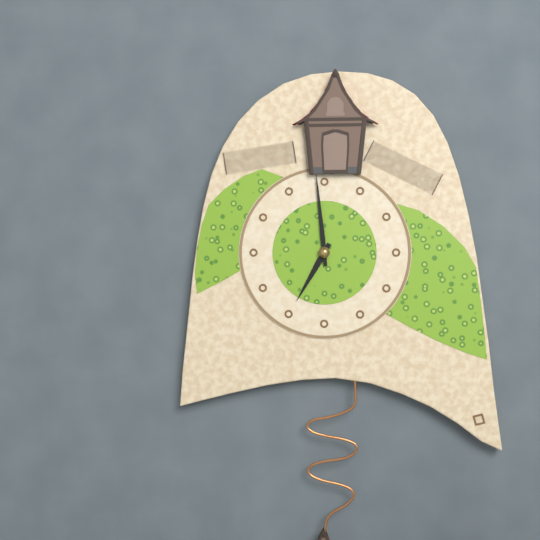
6:59
